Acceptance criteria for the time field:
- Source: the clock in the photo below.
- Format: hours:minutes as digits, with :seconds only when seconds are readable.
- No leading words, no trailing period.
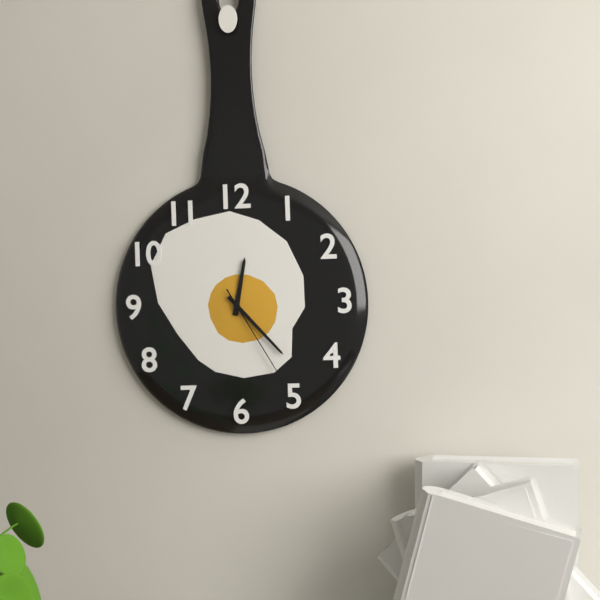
12:23:25
